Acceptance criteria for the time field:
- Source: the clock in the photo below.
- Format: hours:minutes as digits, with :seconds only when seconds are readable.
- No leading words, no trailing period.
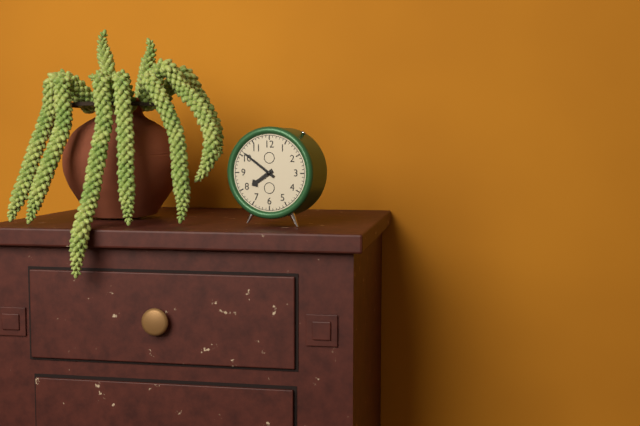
7:51
